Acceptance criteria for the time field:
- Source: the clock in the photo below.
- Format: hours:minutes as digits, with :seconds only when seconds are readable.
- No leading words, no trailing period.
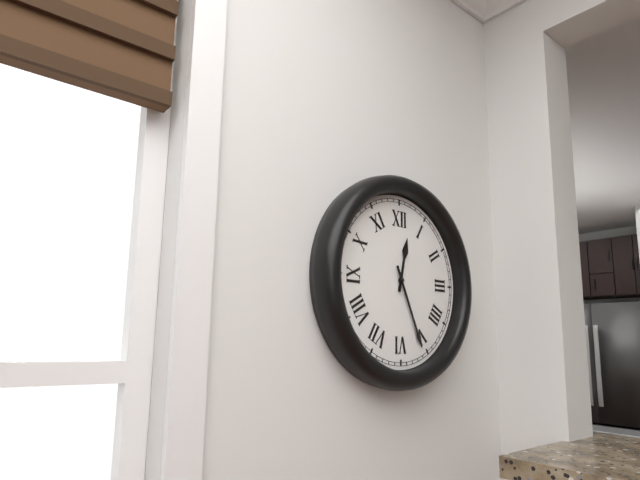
12:26
